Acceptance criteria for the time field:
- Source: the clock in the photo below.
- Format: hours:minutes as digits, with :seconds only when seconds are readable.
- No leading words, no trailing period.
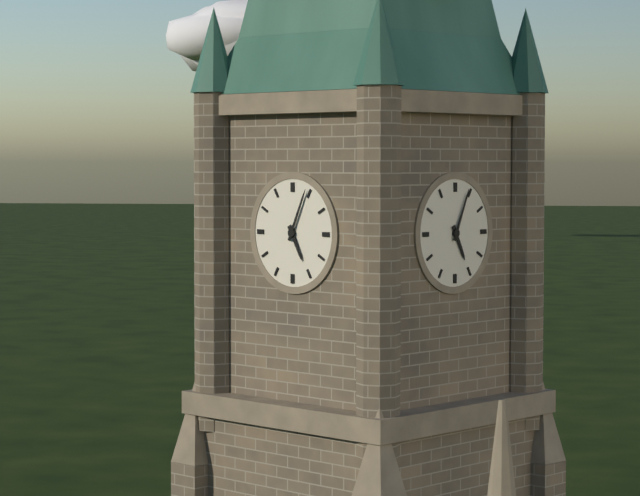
5:04
